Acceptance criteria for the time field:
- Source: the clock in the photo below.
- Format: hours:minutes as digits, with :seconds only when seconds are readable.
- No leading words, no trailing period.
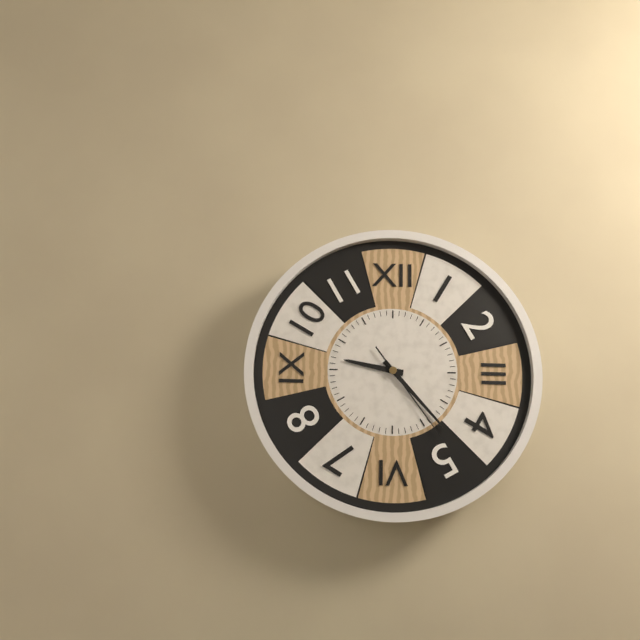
9:23:24
